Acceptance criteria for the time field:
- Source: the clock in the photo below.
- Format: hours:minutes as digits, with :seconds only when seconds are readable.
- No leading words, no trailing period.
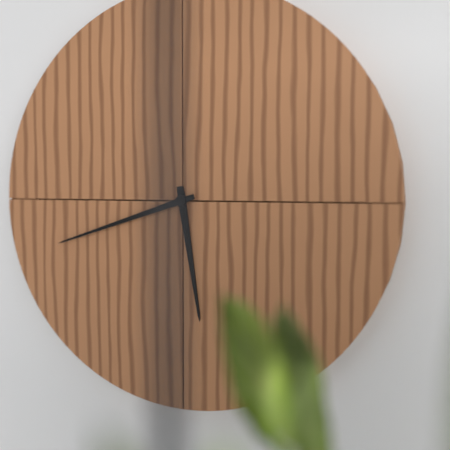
5:42
